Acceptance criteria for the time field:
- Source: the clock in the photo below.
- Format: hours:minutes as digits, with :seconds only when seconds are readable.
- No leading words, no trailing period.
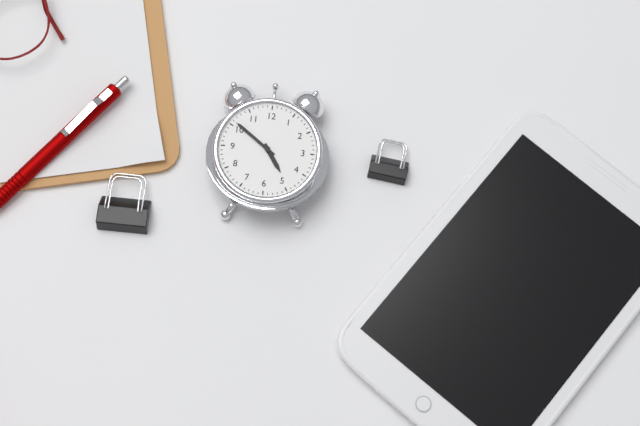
4:51
